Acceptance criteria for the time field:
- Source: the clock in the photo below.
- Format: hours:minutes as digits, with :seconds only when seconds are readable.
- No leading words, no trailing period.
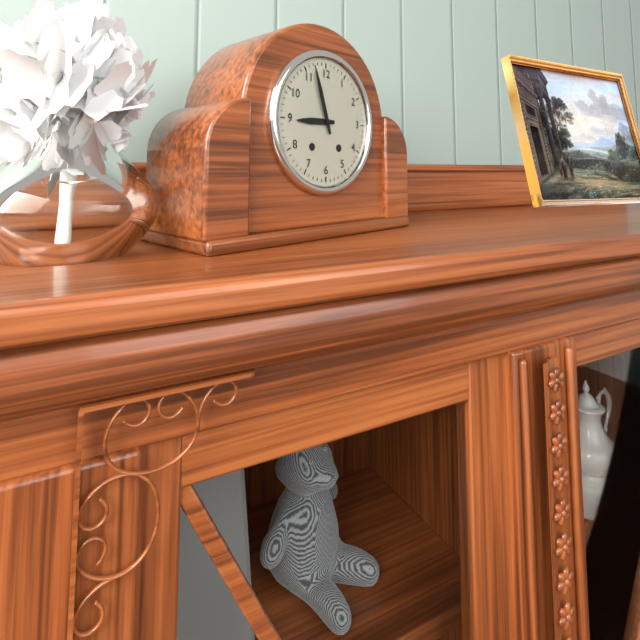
8:57
